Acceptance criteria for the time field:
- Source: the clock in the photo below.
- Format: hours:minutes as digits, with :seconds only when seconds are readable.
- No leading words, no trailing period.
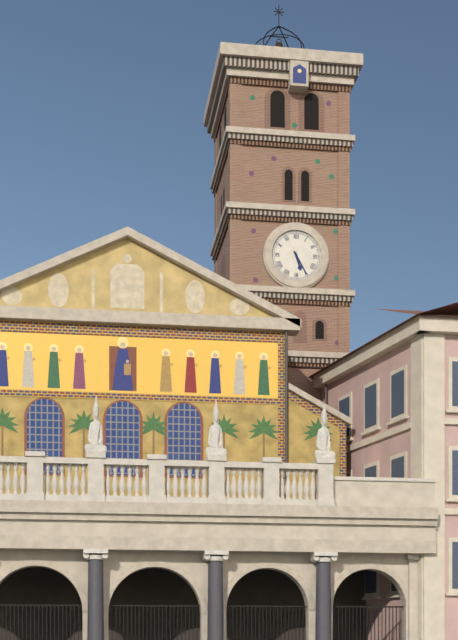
5:25
